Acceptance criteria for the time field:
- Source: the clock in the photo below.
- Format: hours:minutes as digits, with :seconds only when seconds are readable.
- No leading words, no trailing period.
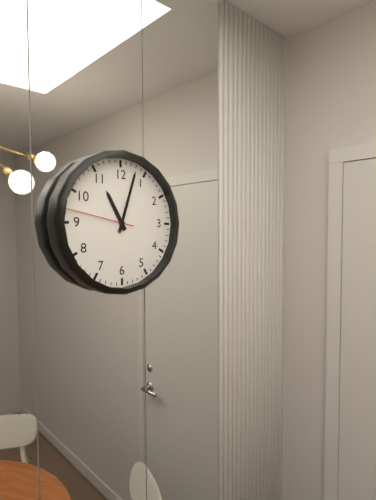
11:03:47
